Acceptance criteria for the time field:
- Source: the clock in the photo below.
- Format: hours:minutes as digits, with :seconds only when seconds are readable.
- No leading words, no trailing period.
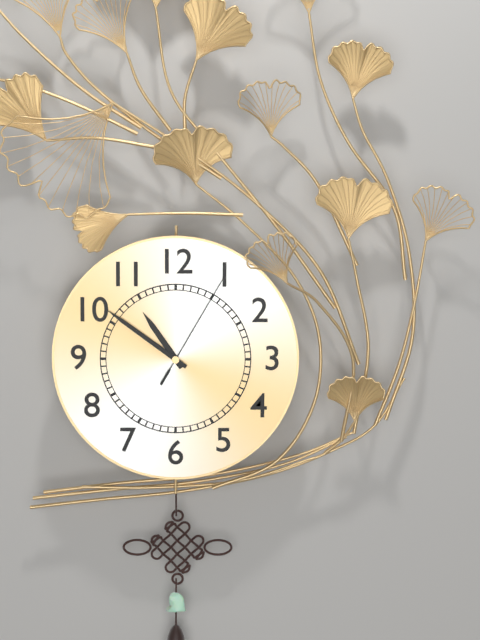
10:51:05
